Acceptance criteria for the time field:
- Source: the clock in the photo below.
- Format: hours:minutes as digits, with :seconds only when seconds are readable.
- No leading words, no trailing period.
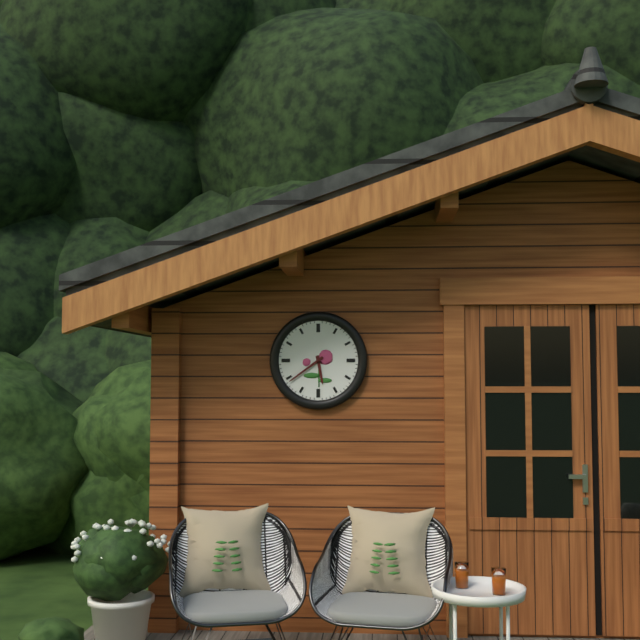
5:39
